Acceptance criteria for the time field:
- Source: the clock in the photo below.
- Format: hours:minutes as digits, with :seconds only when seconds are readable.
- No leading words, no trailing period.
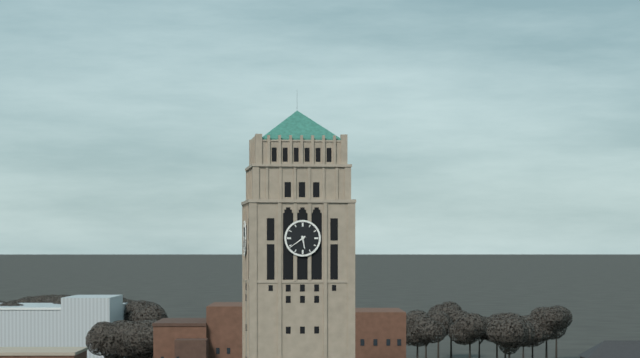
5:39
